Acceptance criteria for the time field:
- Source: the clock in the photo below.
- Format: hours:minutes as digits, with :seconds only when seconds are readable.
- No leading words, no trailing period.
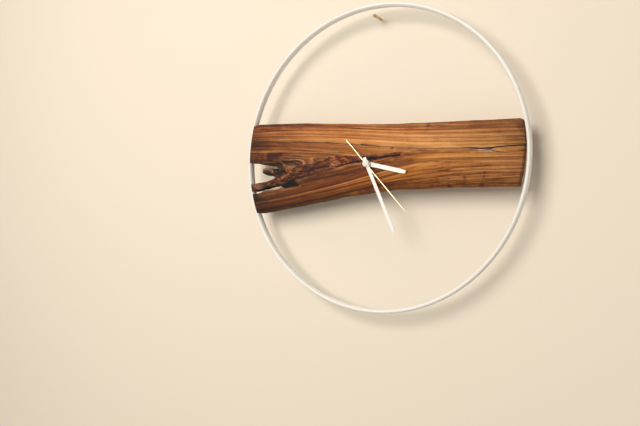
3:26:23
